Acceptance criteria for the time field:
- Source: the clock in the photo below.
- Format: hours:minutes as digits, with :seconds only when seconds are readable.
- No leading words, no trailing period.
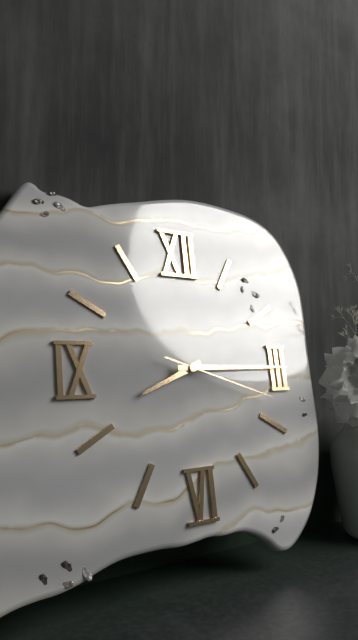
8:15:18
